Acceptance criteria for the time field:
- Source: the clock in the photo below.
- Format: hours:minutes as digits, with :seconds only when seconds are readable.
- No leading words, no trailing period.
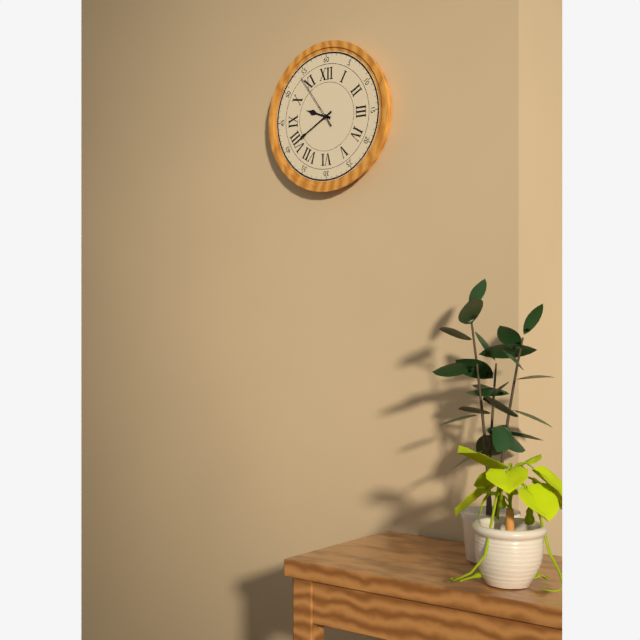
9:40:54
